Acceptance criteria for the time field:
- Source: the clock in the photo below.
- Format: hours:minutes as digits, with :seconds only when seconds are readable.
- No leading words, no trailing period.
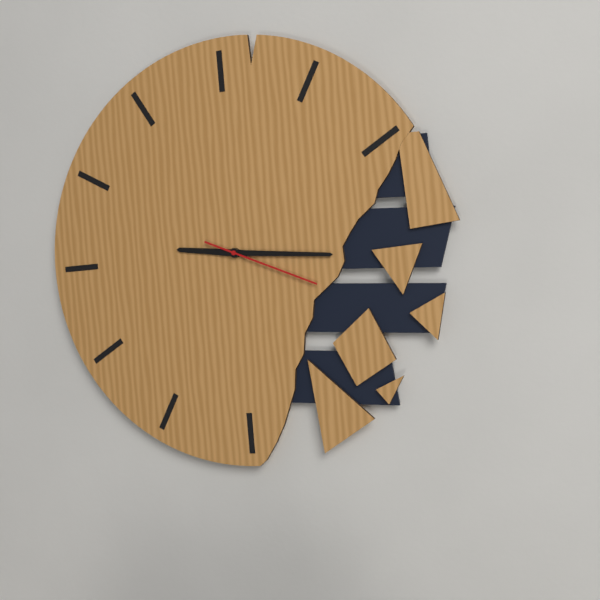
9:16:19
